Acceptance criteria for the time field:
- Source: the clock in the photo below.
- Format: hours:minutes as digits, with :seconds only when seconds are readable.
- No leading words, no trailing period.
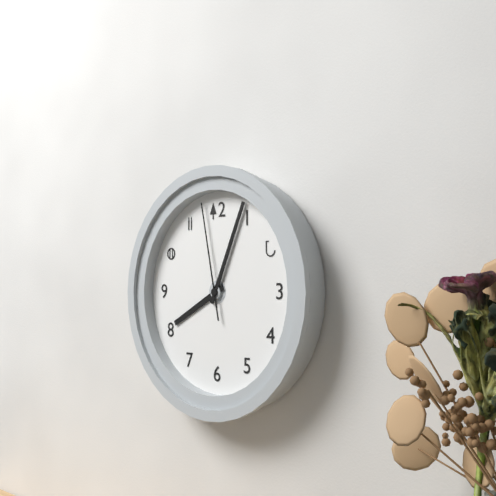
8:04:58
